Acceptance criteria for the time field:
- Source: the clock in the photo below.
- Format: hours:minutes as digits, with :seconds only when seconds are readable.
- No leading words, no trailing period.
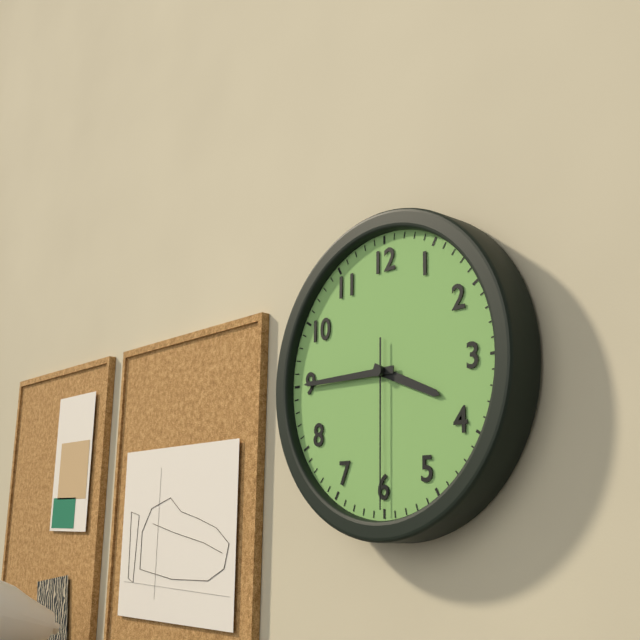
3:45:30
